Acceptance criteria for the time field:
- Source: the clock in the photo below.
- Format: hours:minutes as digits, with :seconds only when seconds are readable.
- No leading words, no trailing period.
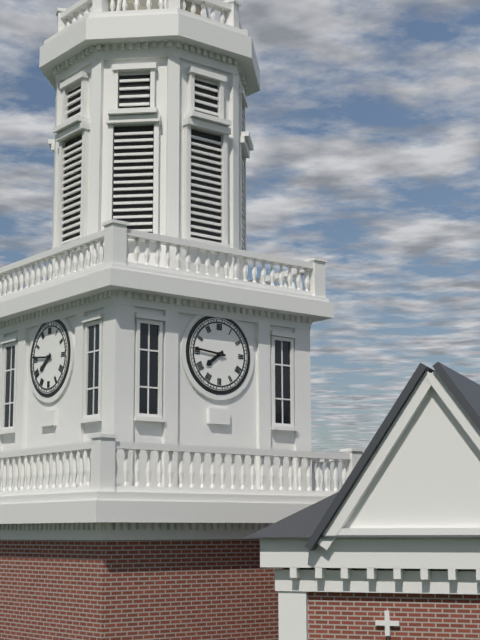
7:46
